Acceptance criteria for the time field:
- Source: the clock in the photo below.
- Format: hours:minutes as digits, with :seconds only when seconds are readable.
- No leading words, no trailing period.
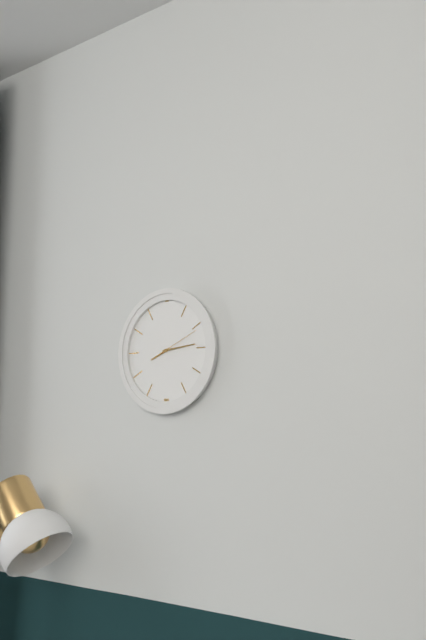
8:14
